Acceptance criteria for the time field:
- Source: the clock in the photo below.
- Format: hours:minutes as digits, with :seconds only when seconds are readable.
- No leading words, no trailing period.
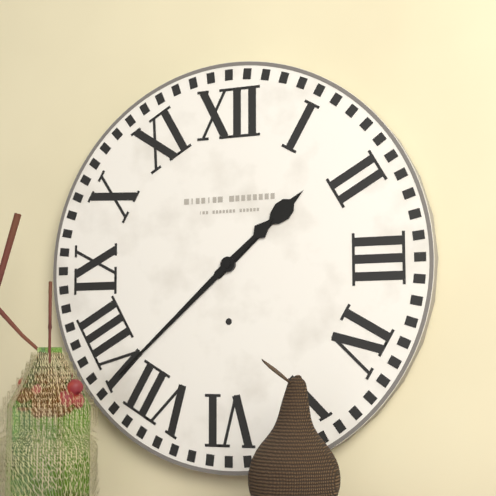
1:38
